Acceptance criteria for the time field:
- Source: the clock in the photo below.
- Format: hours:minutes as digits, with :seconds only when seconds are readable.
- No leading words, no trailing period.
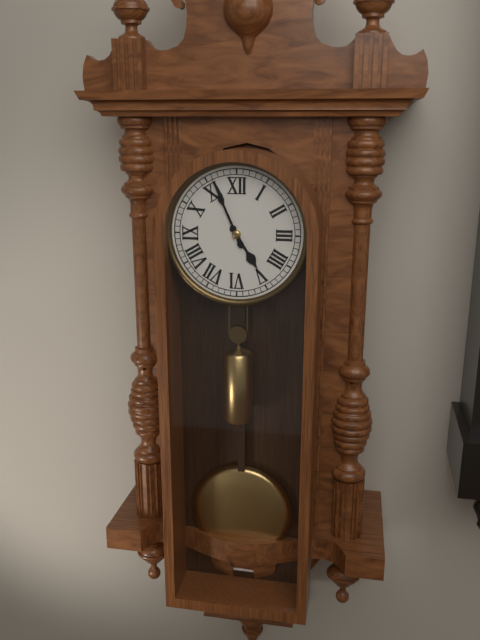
4:56
